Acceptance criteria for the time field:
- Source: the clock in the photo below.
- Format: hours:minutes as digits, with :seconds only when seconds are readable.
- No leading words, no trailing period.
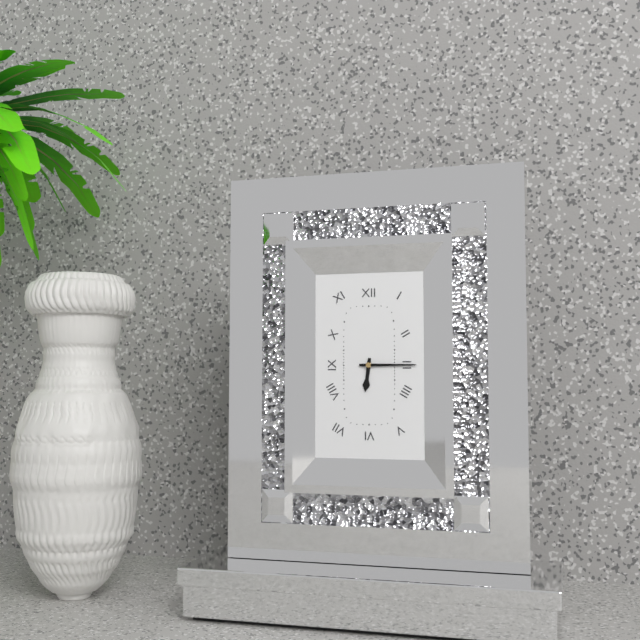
6:15
